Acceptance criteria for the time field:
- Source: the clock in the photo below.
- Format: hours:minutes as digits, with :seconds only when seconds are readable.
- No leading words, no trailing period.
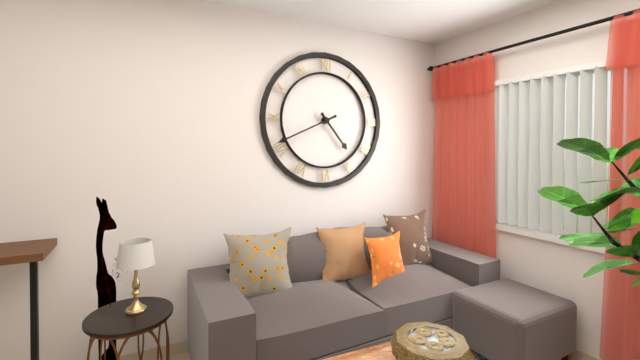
4:41
